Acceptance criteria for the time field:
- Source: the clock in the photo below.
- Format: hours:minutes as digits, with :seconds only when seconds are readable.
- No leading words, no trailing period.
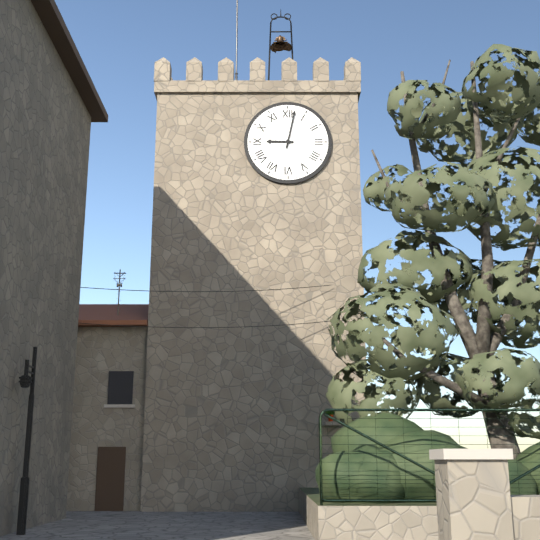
9:02
